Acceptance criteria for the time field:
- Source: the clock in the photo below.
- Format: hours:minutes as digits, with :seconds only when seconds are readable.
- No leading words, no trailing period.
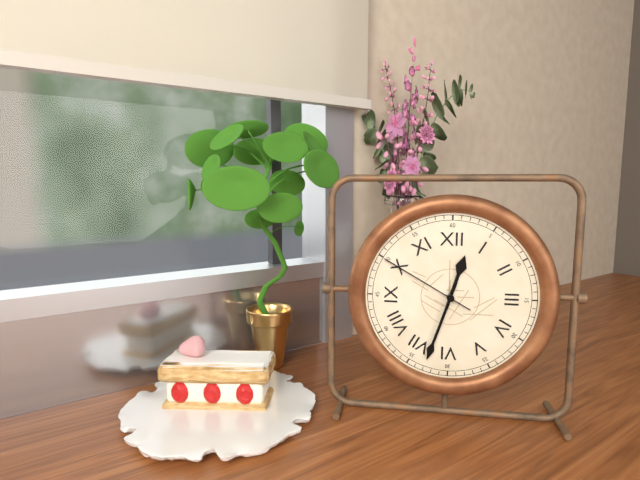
12:33:50
